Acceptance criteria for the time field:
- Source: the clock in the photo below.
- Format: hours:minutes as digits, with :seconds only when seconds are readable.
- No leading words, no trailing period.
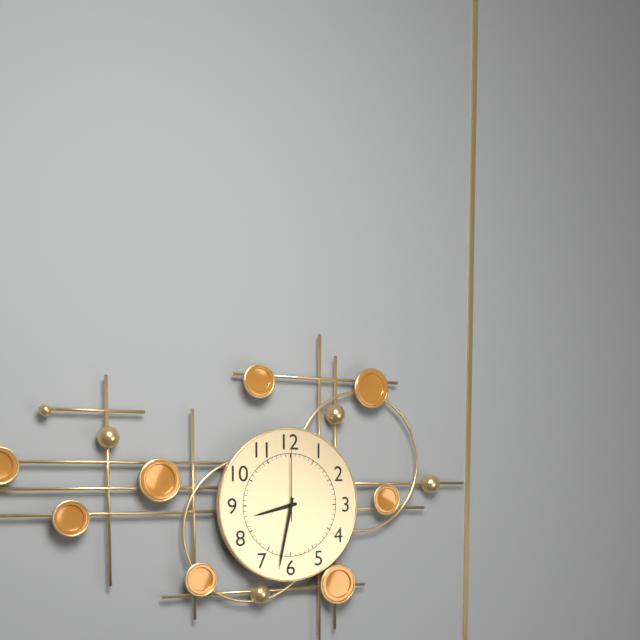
8:32:00
